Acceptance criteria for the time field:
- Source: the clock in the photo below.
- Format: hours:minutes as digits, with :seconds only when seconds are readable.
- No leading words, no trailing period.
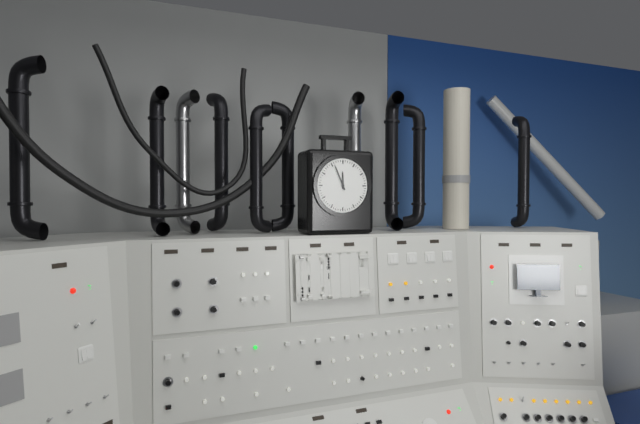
11:56
